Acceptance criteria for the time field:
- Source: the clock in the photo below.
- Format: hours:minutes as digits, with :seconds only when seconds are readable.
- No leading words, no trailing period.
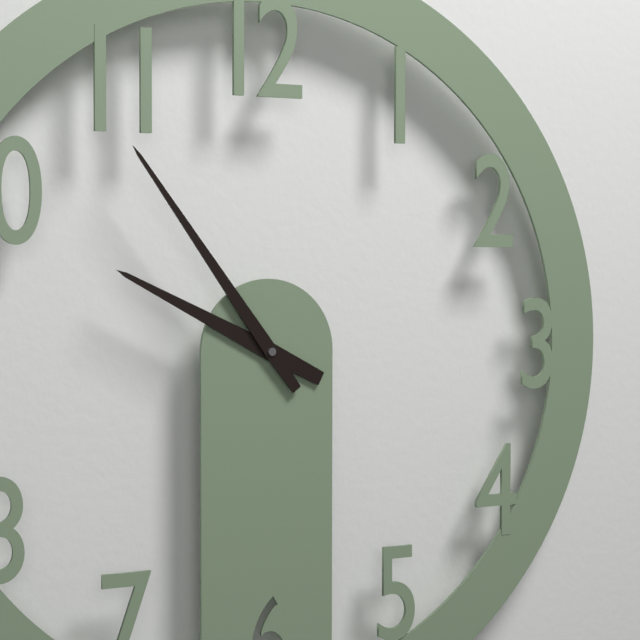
9:54
